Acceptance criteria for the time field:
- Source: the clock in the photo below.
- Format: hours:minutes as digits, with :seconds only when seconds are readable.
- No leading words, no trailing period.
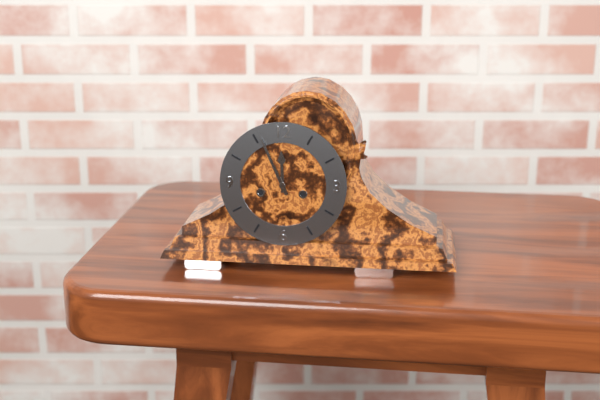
11:56
